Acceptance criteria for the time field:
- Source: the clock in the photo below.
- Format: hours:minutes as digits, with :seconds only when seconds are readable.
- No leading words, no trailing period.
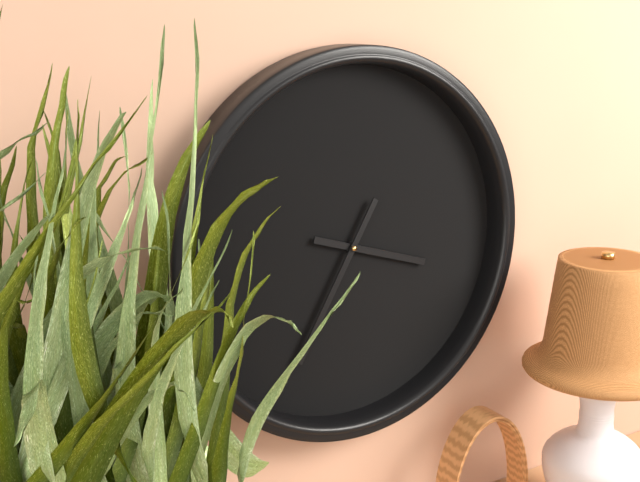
3:35
